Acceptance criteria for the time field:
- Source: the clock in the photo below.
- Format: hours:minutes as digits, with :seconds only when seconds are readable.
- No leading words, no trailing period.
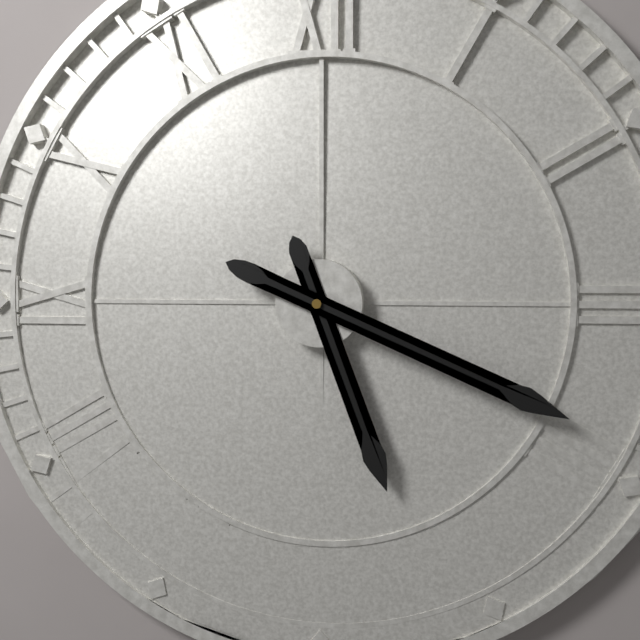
5:19
